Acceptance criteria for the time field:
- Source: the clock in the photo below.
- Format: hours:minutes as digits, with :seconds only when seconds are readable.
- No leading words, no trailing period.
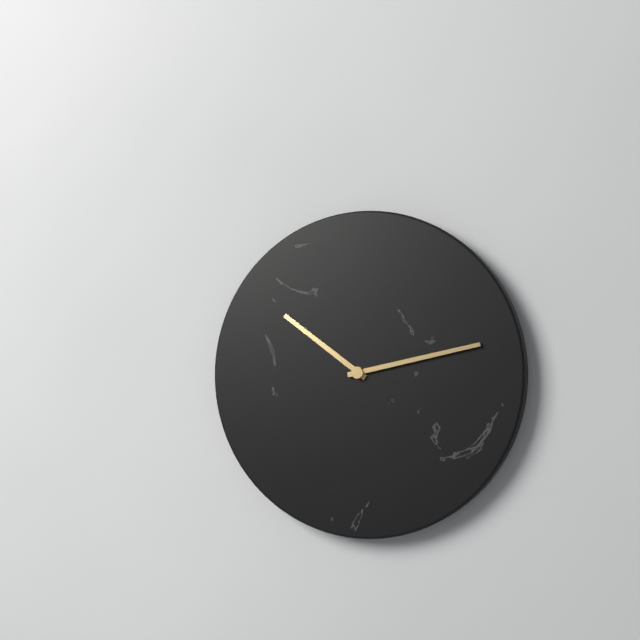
10:13
